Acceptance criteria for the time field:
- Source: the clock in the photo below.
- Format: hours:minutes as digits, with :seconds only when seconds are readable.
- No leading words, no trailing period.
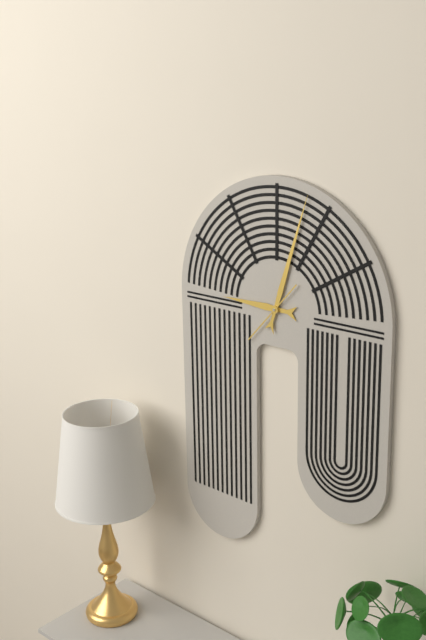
9:03:37
